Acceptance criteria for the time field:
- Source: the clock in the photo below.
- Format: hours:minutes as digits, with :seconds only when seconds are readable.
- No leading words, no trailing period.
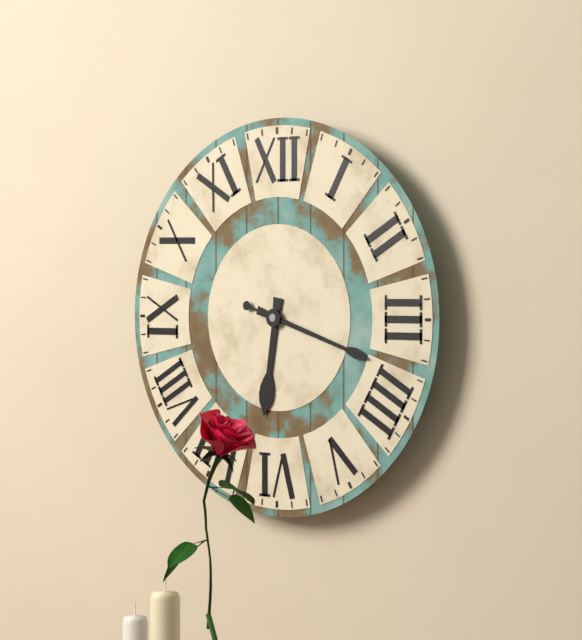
6:18:18
